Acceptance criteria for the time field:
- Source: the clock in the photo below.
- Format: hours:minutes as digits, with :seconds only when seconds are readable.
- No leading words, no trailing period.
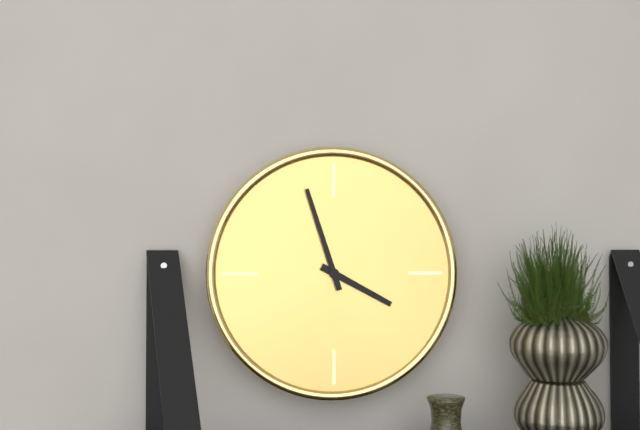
3:57
